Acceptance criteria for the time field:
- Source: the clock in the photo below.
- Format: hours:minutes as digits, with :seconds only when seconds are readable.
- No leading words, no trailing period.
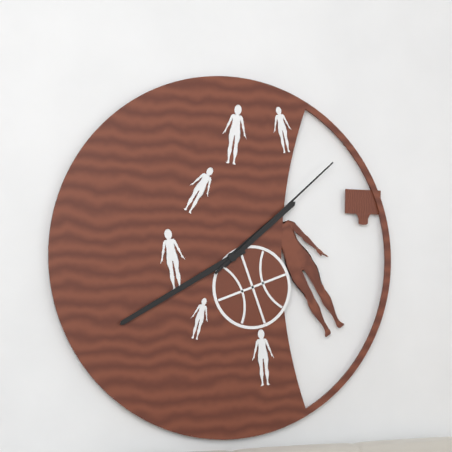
1:40:08
